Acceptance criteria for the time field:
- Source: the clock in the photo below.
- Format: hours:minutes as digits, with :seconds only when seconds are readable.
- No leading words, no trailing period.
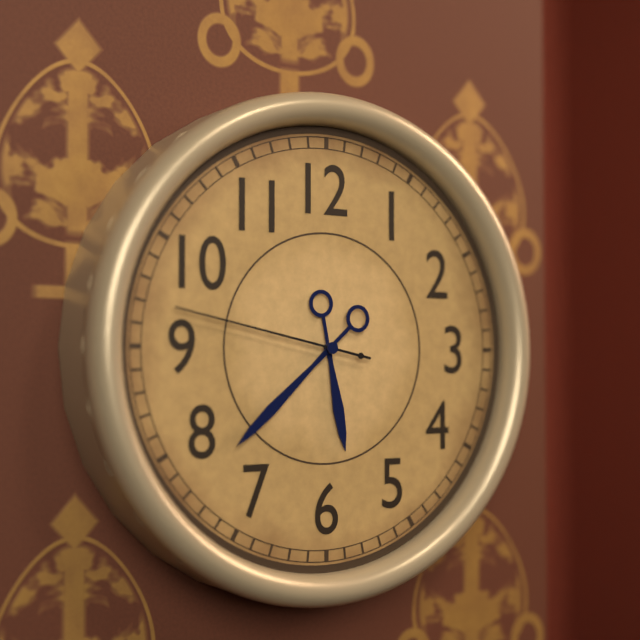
5:38:47
